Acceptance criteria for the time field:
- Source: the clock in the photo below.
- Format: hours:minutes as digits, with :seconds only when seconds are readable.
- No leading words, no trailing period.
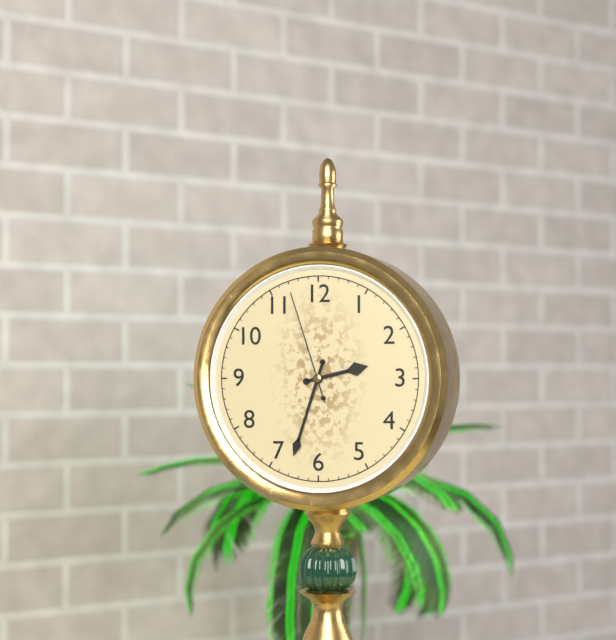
2:33:57
